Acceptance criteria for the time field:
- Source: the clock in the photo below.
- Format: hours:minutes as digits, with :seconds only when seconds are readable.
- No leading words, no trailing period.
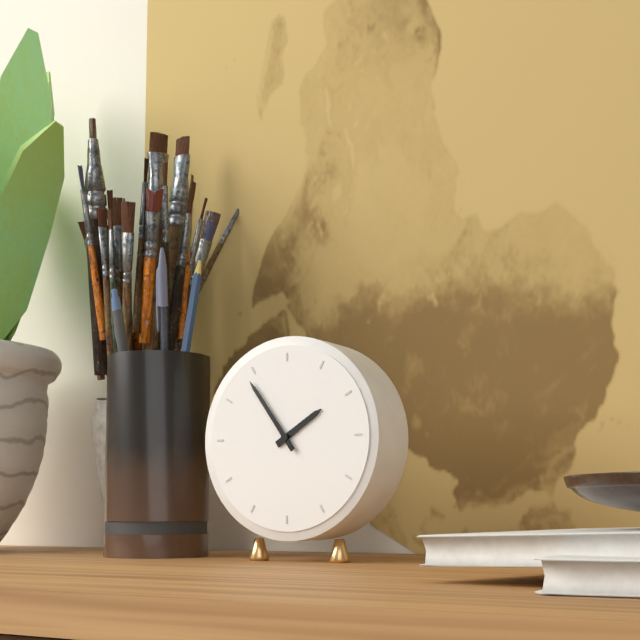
1:54
